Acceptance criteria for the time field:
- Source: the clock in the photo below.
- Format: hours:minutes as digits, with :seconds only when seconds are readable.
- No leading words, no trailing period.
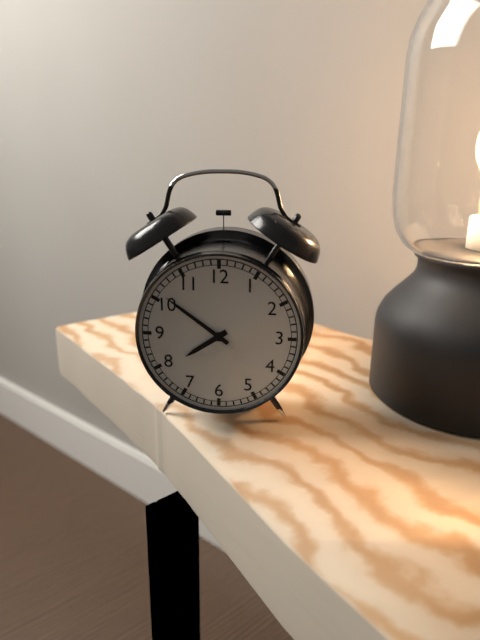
7:51
